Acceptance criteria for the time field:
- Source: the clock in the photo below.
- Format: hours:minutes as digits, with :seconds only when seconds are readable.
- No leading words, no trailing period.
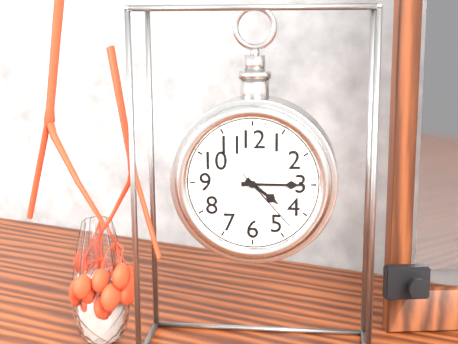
4:15:23
